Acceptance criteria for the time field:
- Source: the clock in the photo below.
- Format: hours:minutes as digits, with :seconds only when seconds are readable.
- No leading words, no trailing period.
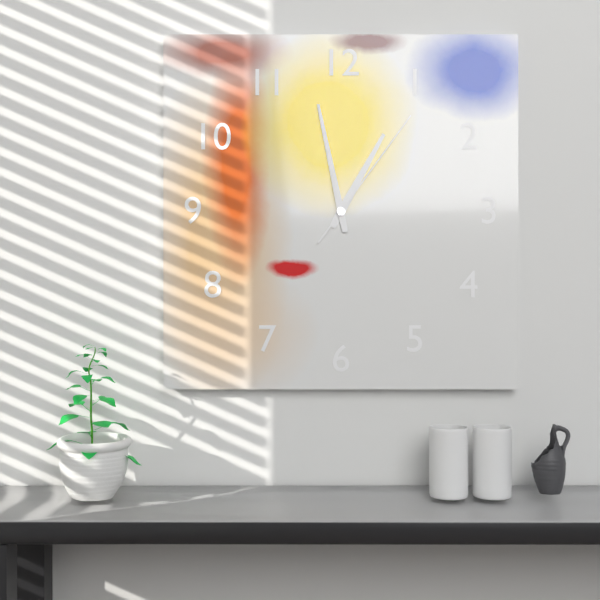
12:58:06
